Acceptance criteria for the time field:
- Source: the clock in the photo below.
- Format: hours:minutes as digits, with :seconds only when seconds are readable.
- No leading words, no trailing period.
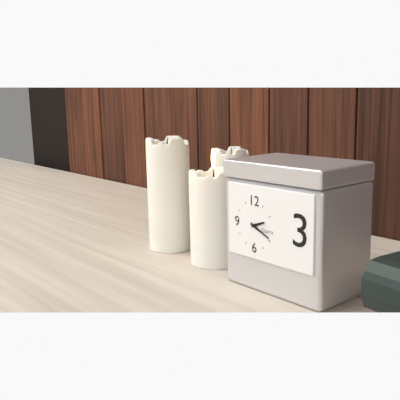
2:19
